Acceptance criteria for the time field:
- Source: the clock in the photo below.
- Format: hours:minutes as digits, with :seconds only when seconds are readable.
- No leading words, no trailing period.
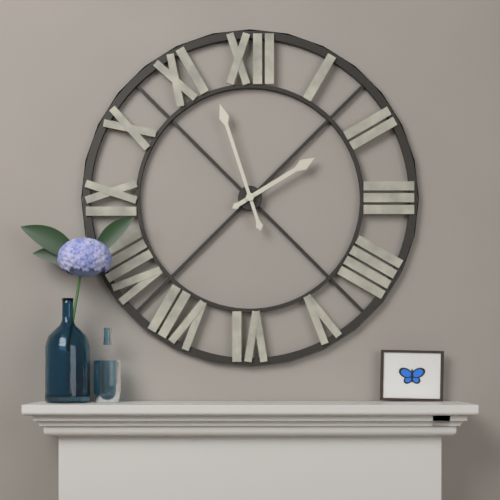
1:57
